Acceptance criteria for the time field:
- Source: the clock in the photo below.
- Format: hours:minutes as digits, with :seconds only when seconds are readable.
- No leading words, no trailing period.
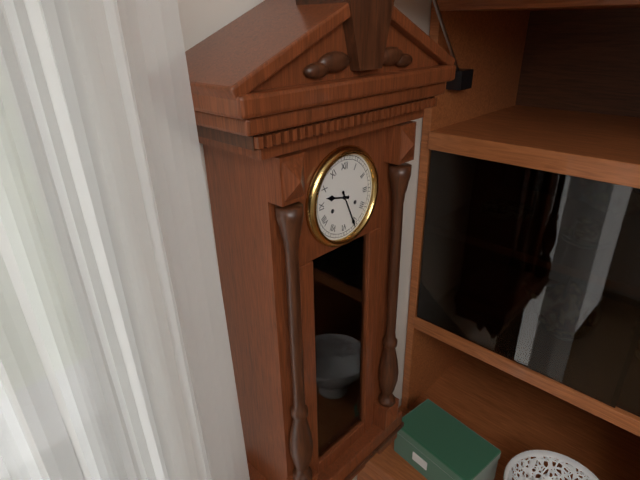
9:26
